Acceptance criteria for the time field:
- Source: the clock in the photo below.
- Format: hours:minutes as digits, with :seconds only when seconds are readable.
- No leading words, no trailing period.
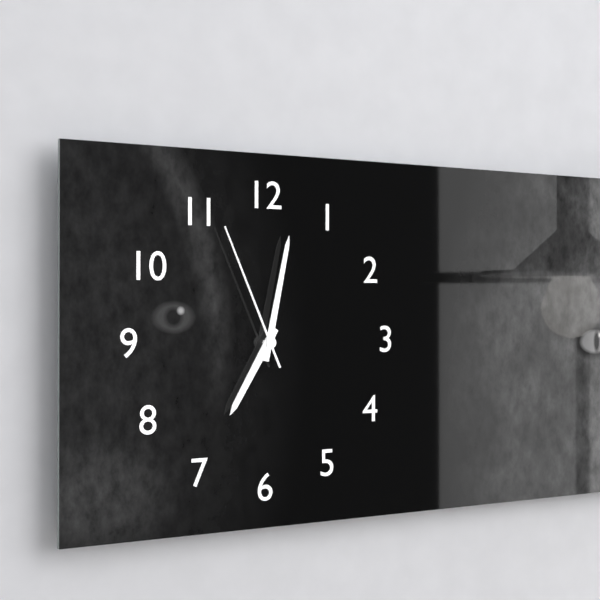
7:02:56
